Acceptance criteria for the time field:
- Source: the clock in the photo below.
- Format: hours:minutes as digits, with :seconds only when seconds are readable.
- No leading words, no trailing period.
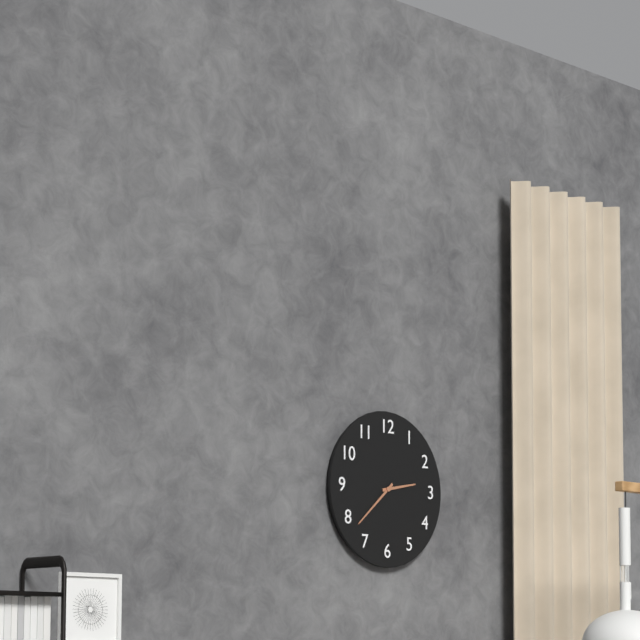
2:38
